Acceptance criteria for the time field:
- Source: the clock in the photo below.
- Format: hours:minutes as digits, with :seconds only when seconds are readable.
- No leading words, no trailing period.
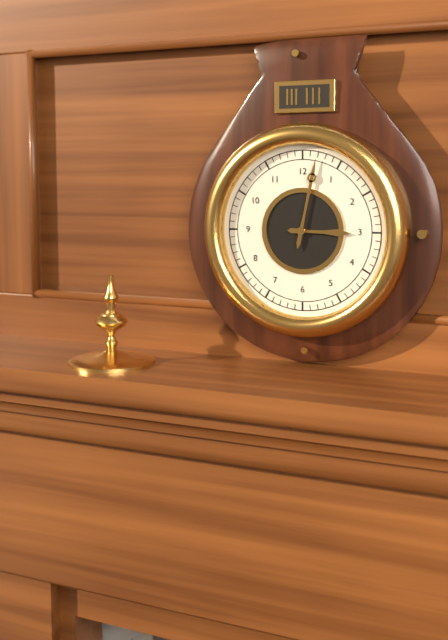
3:02
